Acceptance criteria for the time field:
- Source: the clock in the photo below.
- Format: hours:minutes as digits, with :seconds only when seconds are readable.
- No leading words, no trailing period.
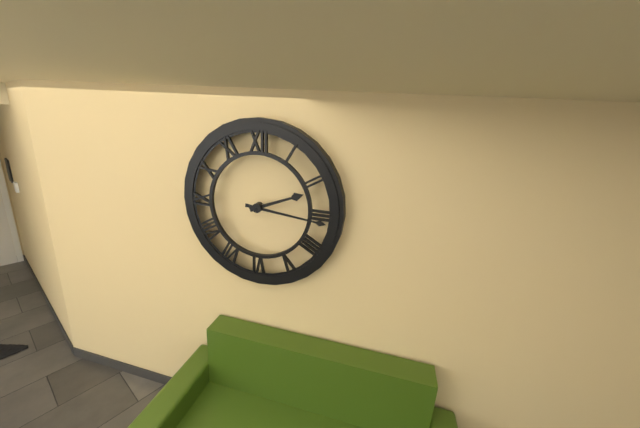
2:16
